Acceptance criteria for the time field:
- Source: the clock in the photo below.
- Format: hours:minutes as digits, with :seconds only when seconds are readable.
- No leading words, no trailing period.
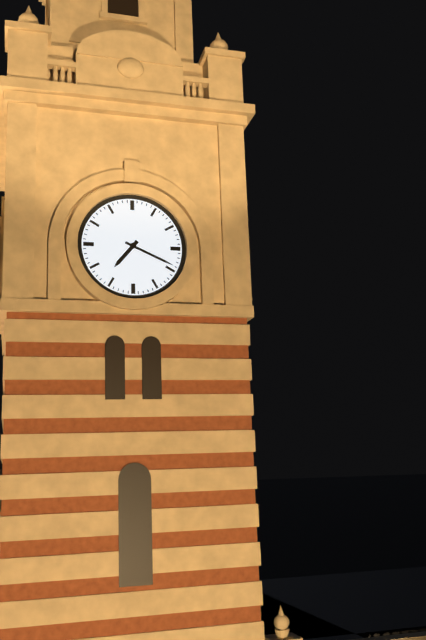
7:19
